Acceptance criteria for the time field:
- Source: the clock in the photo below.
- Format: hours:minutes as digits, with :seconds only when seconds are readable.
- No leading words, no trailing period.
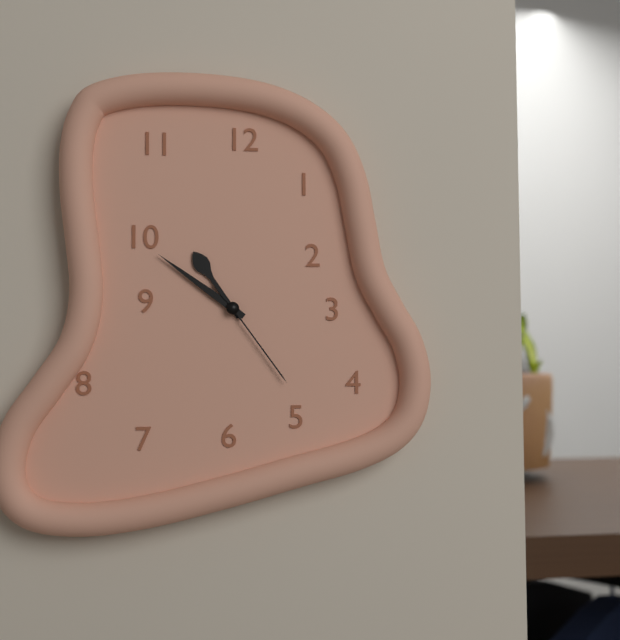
10:51:24
